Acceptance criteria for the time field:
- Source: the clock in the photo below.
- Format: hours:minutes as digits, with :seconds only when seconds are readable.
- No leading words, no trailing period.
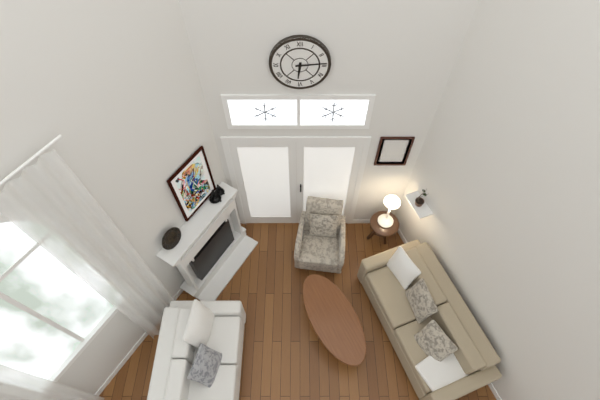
6:14
